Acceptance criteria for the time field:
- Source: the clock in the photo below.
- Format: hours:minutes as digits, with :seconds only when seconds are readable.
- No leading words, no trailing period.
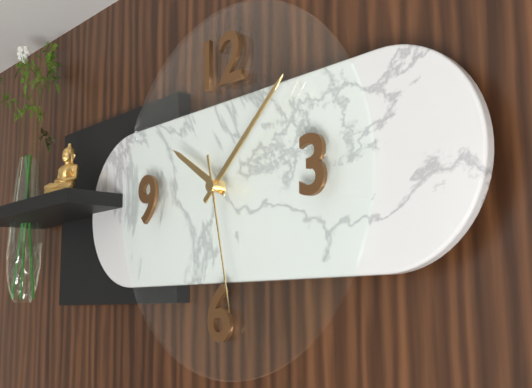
10:08:28
